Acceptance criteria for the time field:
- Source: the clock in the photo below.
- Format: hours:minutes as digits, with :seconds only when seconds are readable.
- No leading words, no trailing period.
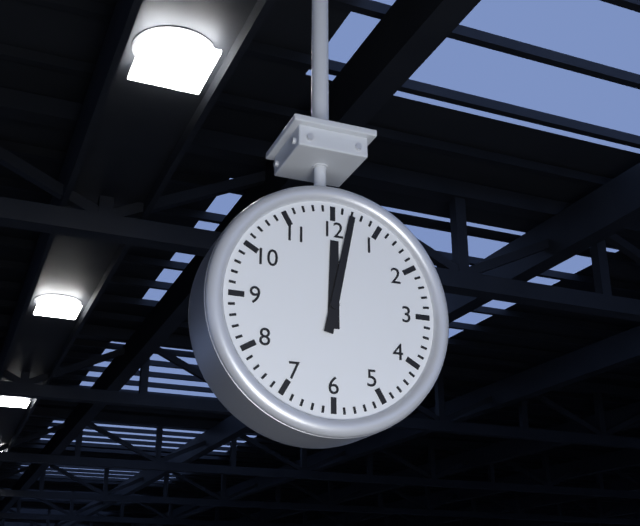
12:02
